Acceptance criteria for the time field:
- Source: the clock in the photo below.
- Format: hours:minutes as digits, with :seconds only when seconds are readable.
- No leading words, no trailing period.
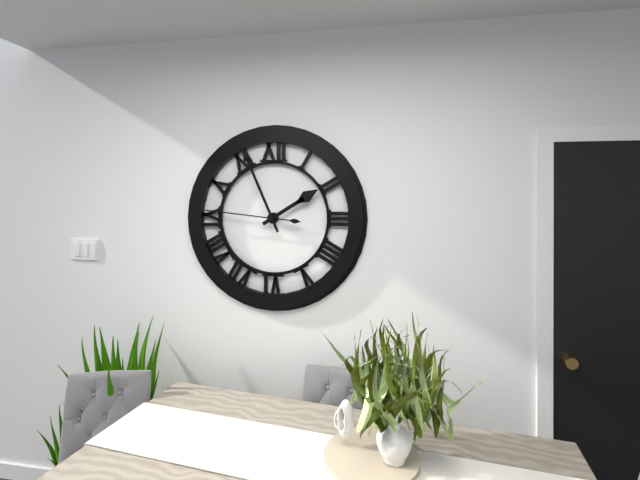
1:56:46
